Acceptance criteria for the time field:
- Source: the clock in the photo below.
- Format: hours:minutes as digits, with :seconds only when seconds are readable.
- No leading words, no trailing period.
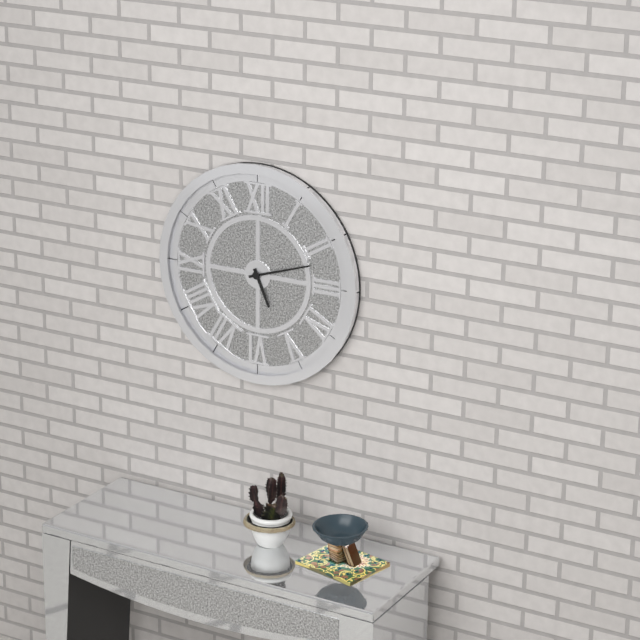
5:12
